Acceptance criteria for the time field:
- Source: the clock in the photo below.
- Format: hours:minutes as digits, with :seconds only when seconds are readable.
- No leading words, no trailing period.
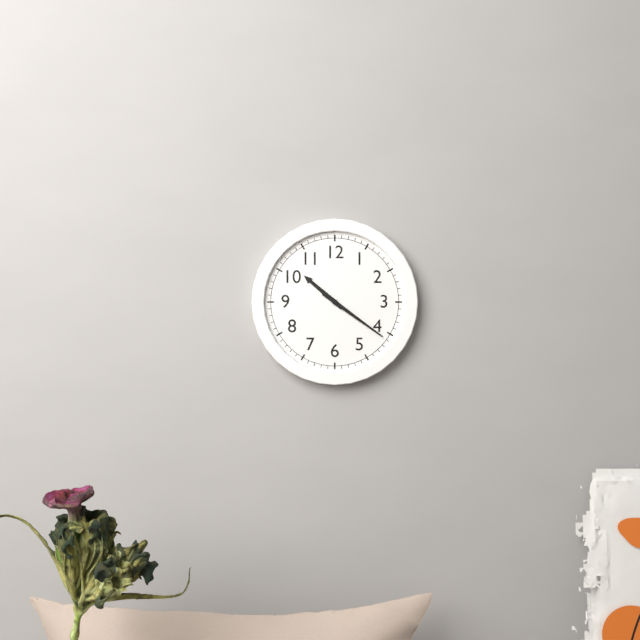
10:21
